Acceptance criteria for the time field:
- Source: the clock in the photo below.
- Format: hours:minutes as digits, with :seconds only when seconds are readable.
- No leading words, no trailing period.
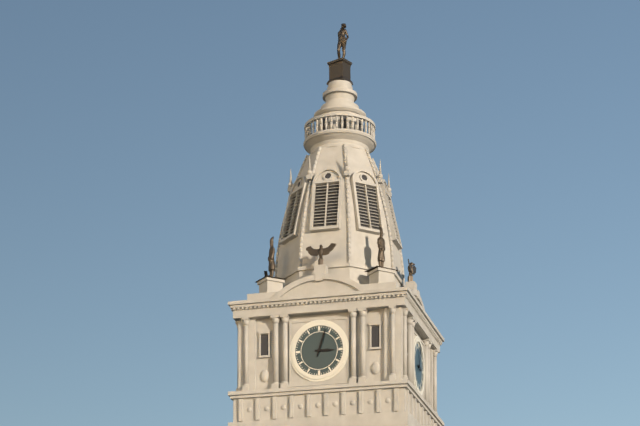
3:03
